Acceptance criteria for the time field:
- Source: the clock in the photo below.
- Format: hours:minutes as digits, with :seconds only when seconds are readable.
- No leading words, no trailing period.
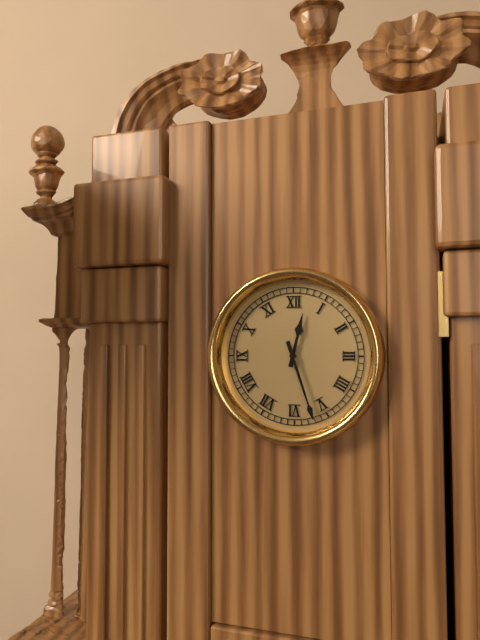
12:27
